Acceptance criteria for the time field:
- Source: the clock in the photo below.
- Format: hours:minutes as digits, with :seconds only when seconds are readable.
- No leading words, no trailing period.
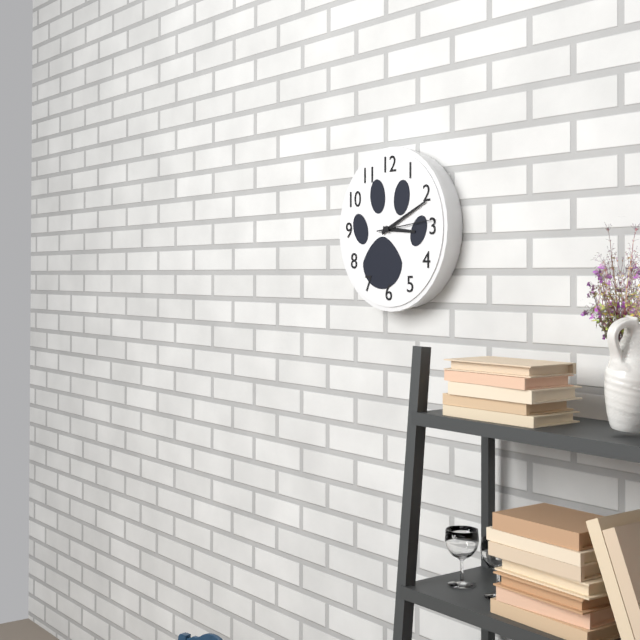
3:11:14
